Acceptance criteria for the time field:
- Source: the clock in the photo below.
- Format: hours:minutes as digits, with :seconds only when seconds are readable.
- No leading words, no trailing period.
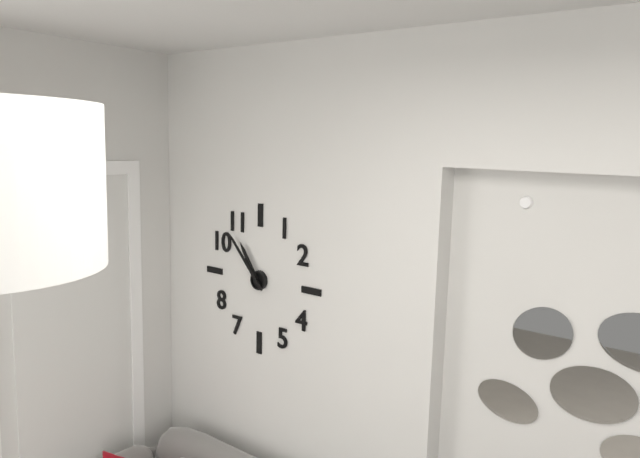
10:53
